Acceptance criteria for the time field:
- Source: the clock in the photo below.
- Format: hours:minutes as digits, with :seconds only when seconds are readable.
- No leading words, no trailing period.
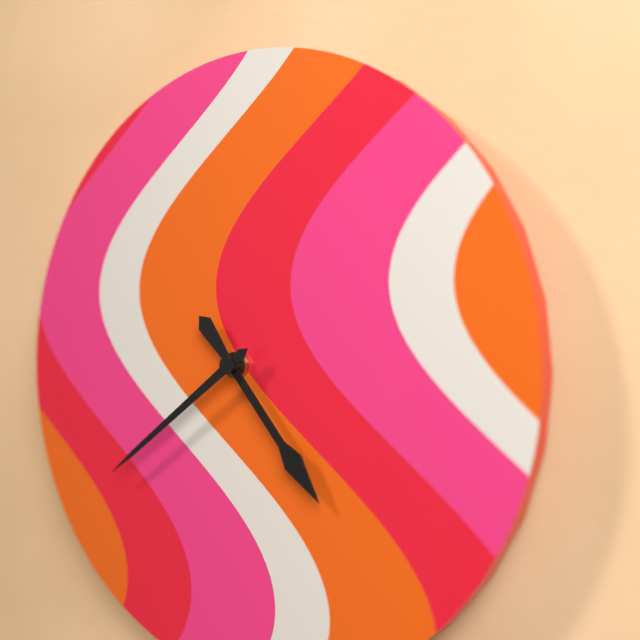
4:39
